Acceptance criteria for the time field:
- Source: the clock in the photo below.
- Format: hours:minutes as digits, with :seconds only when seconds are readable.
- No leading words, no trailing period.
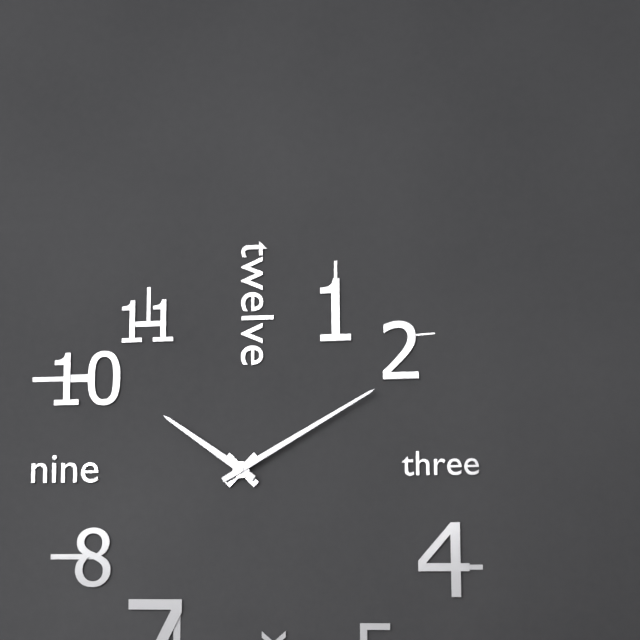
10:10
